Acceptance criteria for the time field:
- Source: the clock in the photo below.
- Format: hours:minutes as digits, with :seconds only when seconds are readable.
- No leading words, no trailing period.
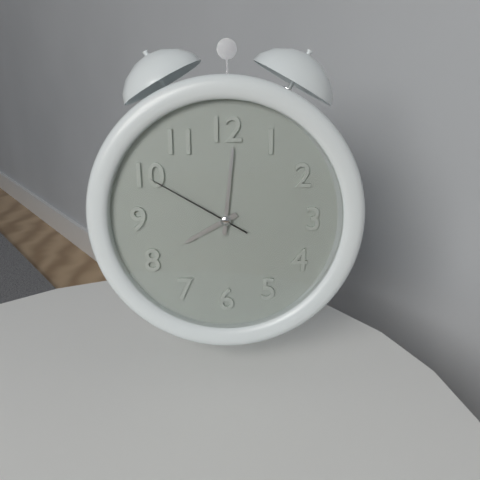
8:01:50
